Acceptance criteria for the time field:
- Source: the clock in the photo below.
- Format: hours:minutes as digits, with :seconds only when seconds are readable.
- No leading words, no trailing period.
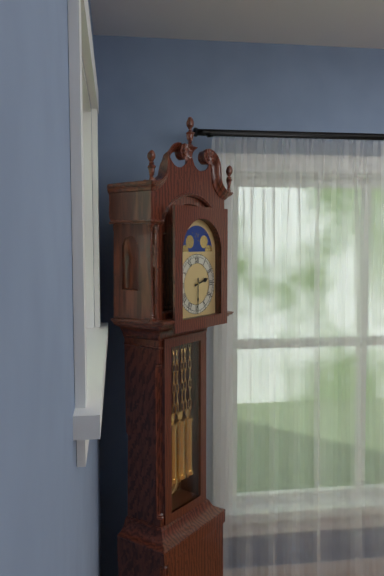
2:30
